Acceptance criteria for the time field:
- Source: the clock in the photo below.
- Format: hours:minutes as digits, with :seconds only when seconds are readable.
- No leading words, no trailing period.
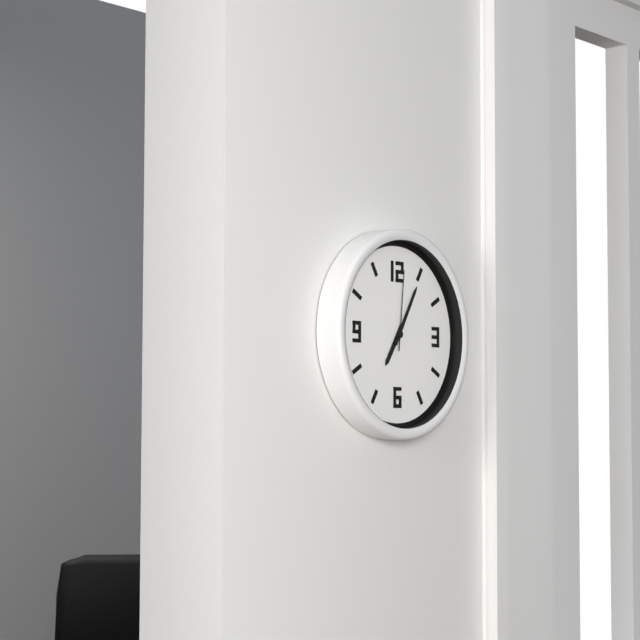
7:05:01
